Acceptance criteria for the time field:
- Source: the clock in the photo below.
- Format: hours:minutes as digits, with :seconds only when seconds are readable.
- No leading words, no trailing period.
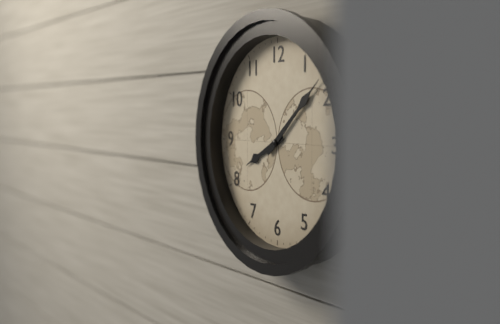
8:08
